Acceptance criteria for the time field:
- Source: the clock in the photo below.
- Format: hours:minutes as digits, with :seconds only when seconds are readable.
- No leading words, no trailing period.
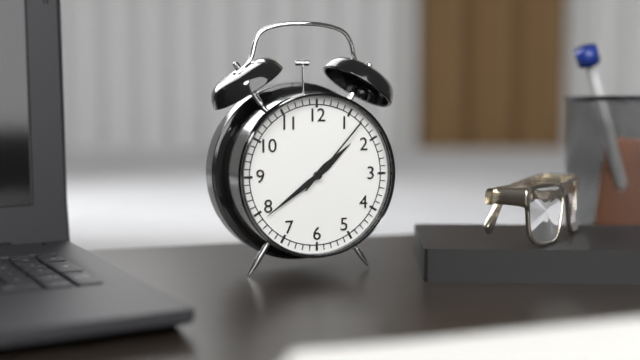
1:39:07
